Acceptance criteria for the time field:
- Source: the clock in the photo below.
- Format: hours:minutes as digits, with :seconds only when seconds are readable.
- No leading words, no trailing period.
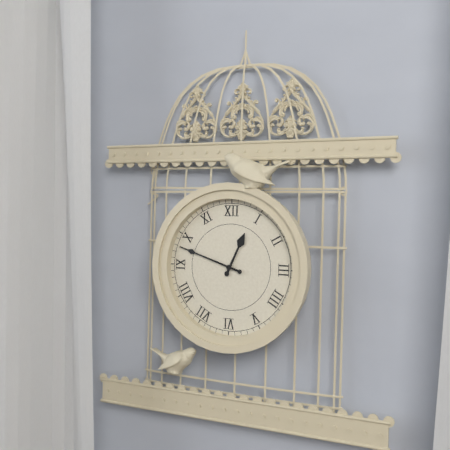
12:48
